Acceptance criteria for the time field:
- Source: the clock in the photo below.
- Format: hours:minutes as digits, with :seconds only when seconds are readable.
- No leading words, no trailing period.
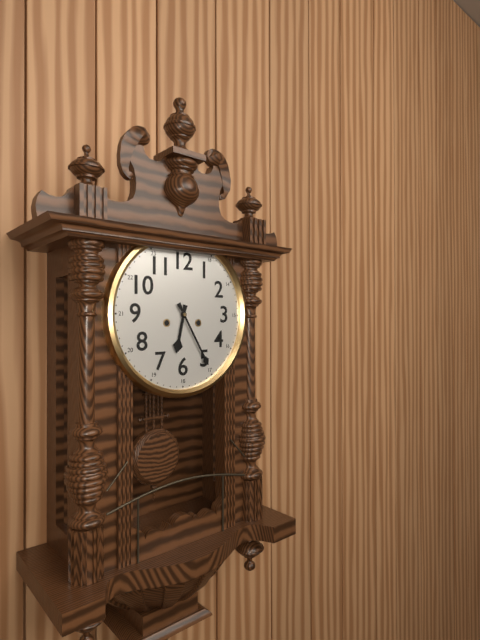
6:25
